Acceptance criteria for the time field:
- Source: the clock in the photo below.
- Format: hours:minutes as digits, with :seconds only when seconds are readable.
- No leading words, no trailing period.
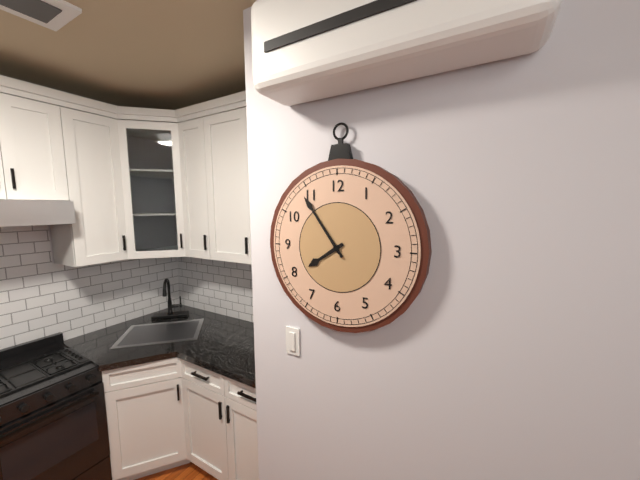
7:54
